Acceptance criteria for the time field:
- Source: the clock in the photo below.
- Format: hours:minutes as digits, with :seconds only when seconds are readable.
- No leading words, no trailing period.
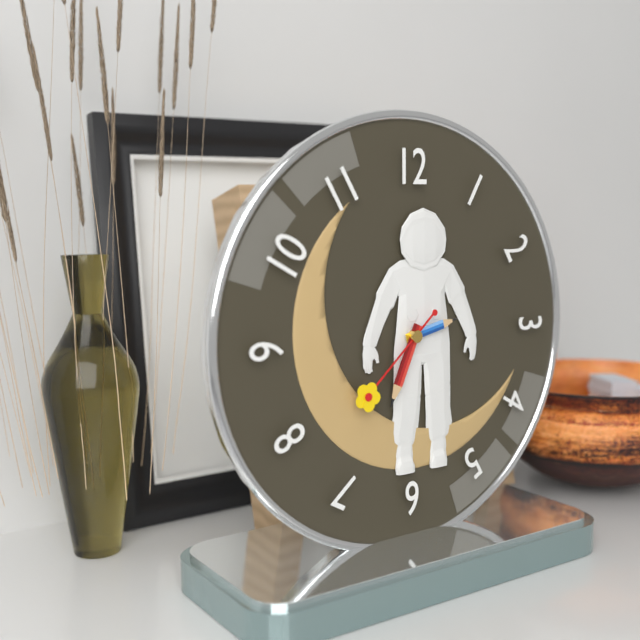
2:34:38
